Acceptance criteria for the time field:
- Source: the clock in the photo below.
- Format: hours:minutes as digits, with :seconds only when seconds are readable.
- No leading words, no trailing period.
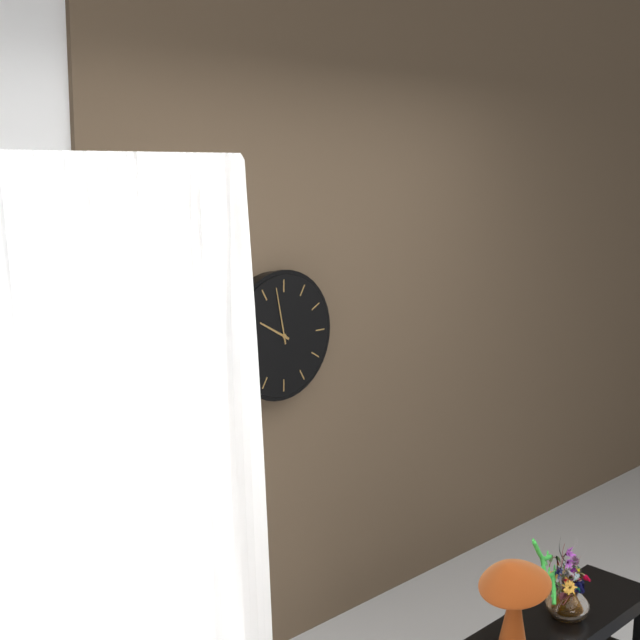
9:58
